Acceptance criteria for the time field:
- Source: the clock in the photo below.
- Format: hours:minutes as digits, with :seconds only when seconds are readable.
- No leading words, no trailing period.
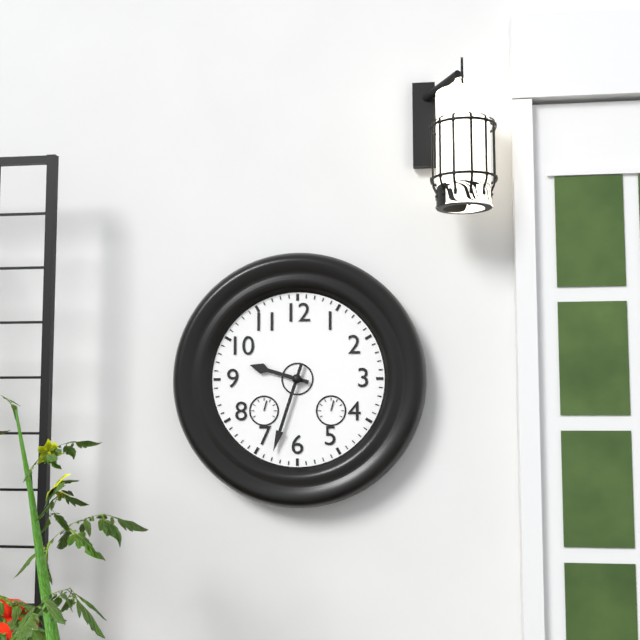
9:33
